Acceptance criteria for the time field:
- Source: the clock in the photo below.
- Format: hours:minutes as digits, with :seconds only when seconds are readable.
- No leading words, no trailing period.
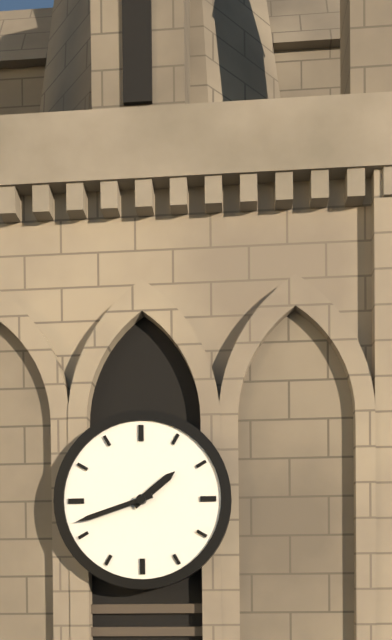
1:42
